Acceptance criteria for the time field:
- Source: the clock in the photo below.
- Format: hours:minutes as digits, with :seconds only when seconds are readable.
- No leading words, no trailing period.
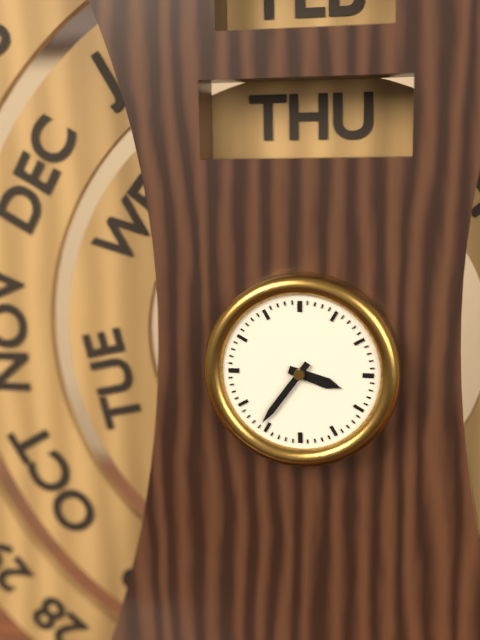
3:36
